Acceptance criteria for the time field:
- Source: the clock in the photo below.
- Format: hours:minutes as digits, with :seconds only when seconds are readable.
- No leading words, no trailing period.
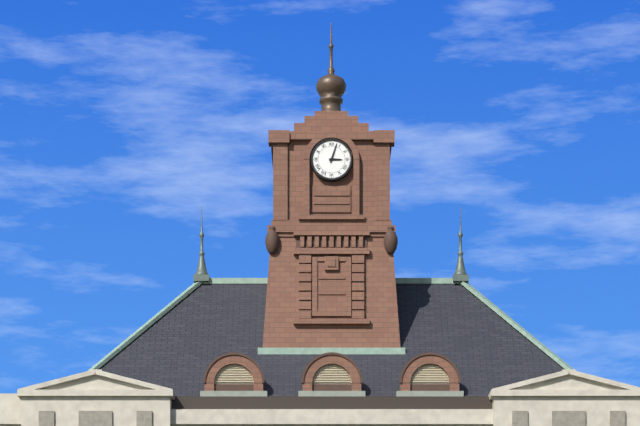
3:03
